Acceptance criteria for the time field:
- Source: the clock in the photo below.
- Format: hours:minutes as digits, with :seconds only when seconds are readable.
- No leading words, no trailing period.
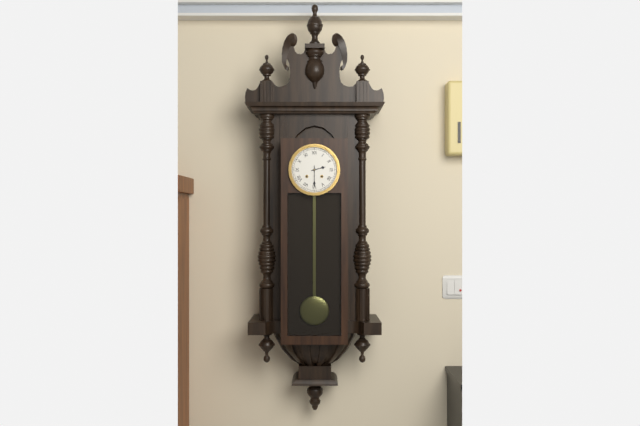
2:30
